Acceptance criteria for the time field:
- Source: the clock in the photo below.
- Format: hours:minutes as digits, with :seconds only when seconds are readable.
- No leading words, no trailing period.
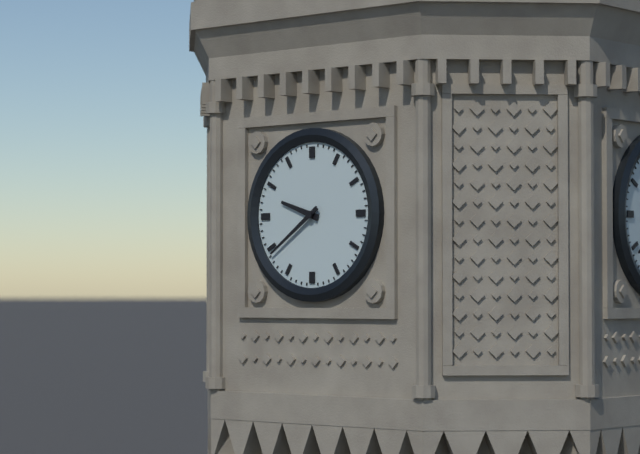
9:39
